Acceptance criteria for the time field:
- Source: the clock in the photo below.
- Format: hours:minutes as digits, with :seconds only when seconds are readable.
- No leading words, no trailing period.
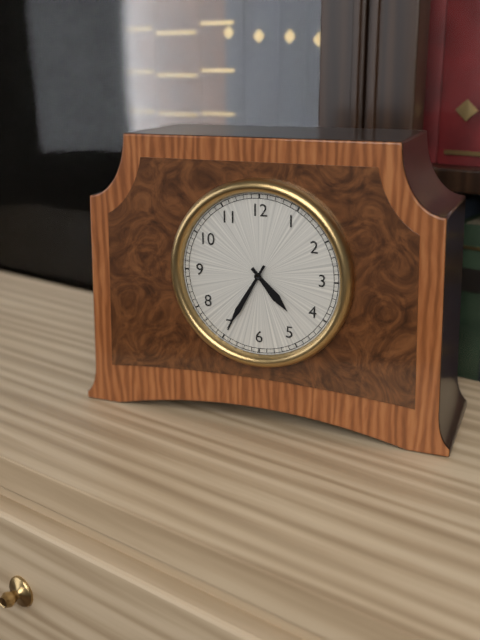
4:35
